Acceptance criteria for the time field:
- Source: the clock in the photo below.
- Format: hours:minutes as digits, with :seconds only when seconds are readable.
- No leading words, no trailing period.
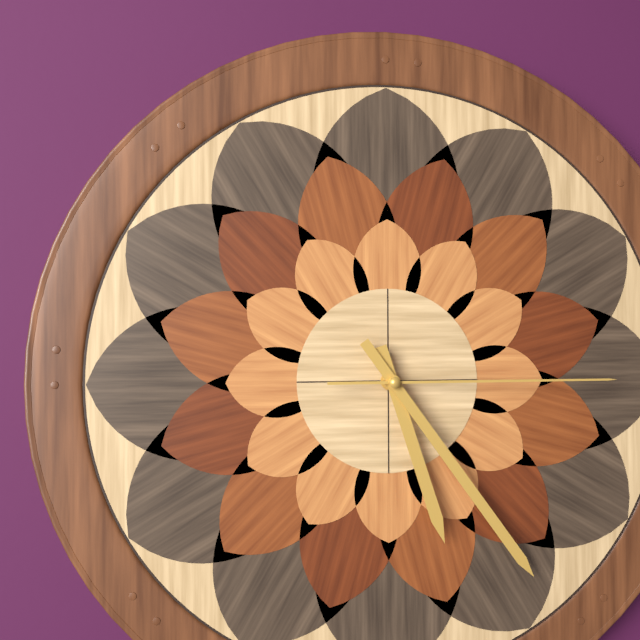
5:24:15
